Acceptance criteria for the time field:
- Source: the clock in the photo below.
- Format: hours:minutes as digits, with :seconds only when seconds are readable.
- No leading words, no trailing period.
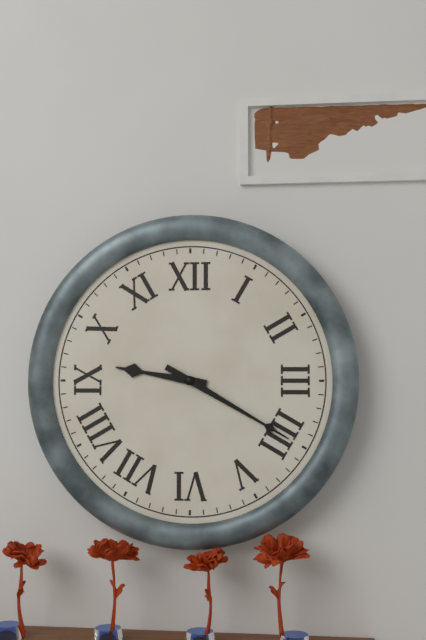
9:20
